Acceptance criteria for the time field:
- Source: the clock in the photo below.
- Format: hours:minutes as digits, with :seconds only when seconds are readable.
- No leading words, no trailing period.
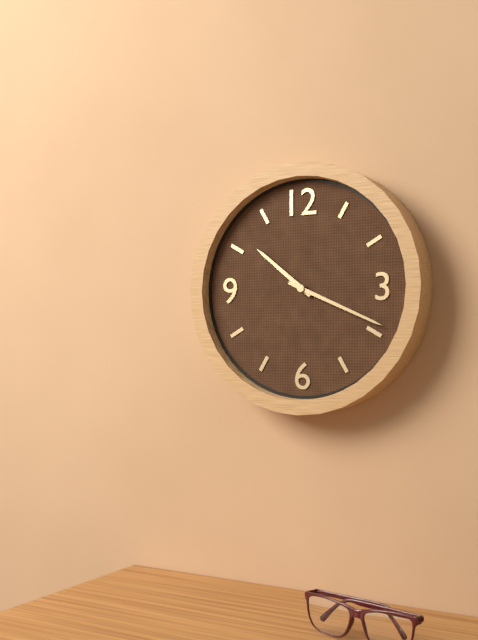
10:19
